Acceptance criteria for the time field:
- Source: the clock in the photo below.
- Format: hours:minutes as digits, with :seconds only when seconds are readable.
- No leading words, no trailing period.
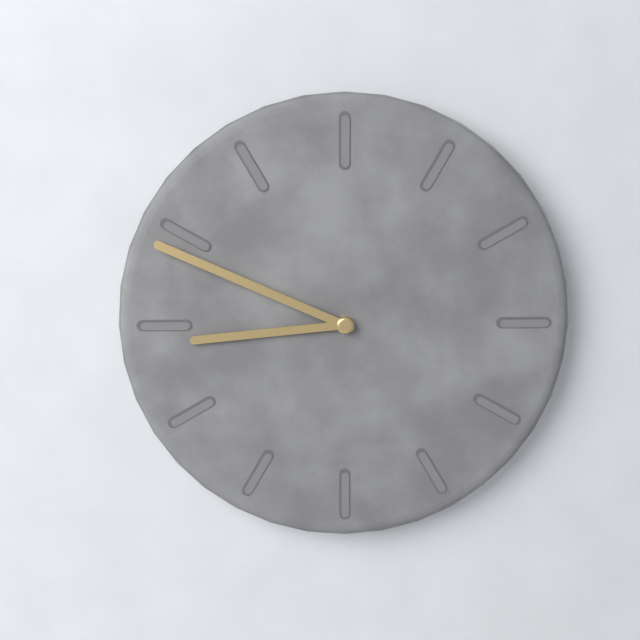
8:49
